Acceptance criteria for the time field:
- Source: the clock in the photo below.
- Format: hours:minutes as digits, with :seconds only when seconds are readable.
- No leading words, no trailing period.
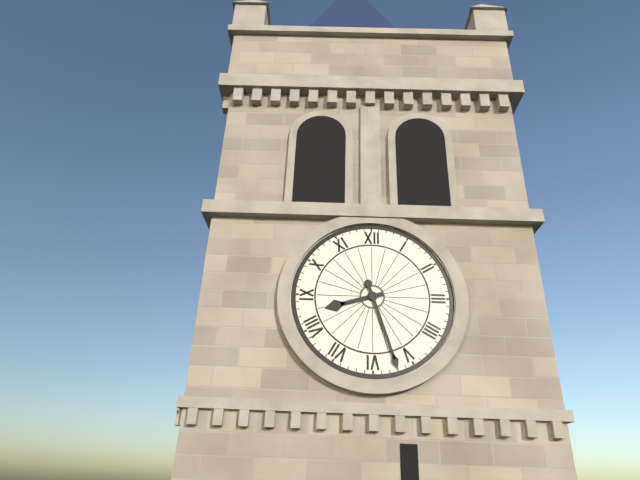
8:27
